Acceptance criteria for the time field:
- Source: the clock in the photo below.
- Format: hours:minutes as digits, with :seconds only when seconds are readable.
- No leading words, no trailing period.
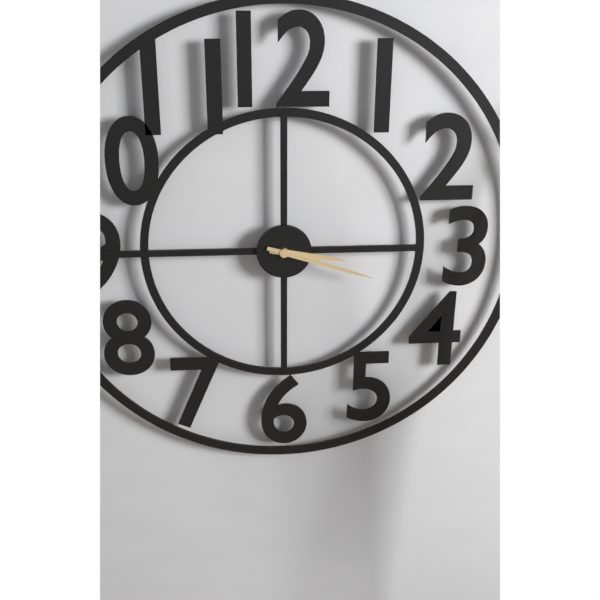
3:18
